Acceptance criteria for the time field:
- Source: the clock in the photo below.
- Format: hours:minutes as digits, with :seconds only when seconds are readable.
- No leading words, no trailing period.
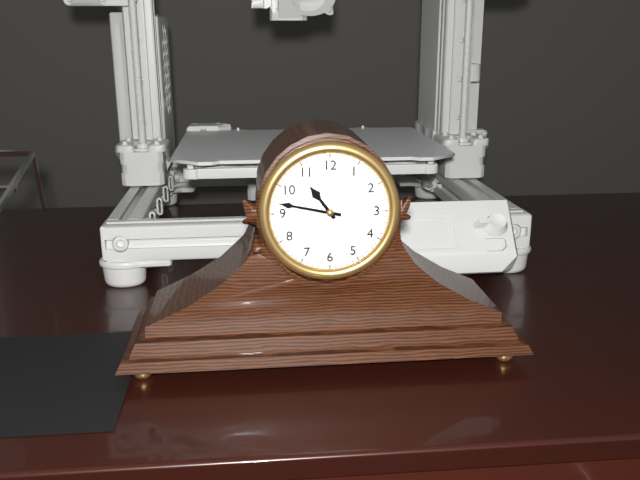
10:47
